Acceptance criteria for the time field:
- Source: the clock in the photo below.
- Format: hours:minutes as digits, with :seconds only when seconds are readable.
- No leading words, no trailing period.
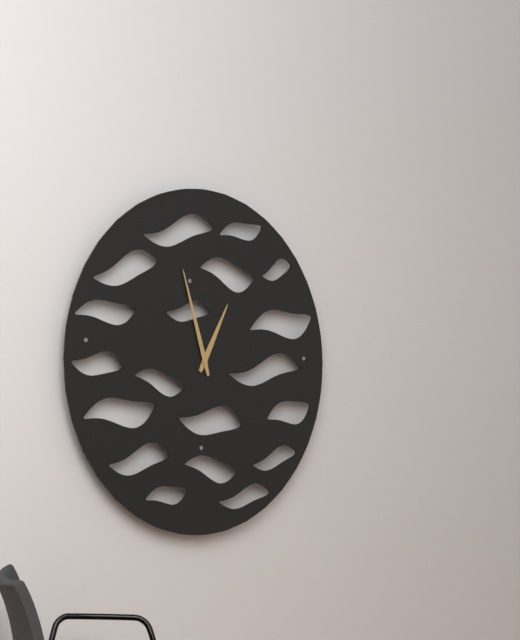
12:57
